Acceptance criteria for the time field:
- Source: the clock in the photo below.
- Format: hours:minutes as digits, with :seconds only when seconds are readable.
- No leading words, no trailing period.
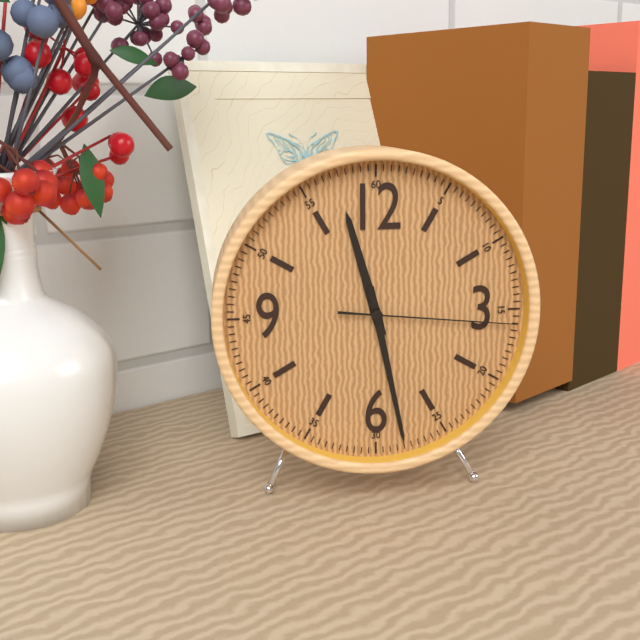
11:28:16
